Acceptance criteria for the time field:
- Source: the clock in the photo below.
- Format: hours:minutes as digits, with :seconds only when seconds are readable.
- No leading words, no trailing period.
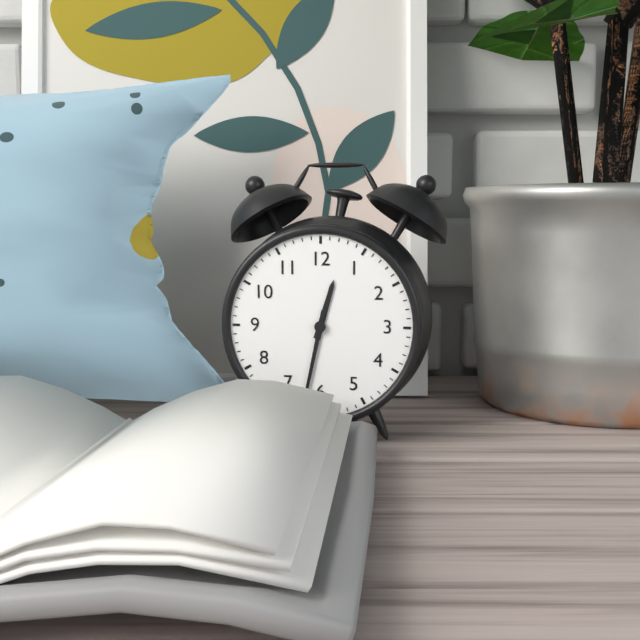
12:32
